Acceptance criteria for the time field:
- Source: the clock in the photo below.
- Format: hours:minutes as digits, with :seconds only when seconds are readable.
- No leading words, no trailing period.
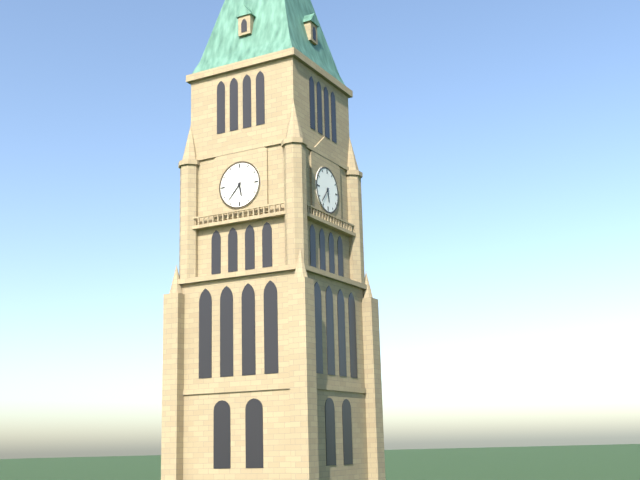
5:37
